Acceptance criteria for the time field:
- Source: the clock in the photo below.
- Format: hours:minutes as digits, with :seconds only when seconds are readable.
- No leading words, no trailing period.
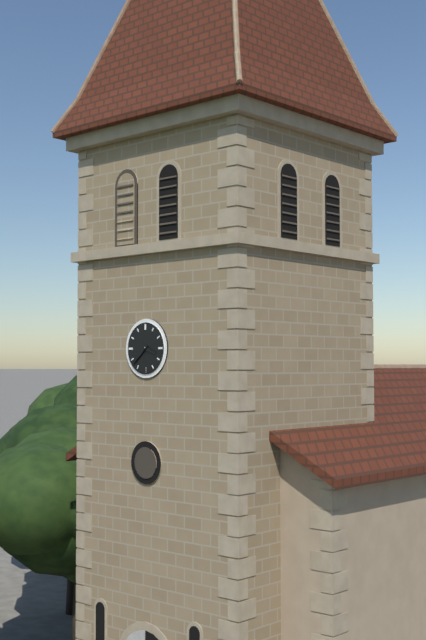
3:38
